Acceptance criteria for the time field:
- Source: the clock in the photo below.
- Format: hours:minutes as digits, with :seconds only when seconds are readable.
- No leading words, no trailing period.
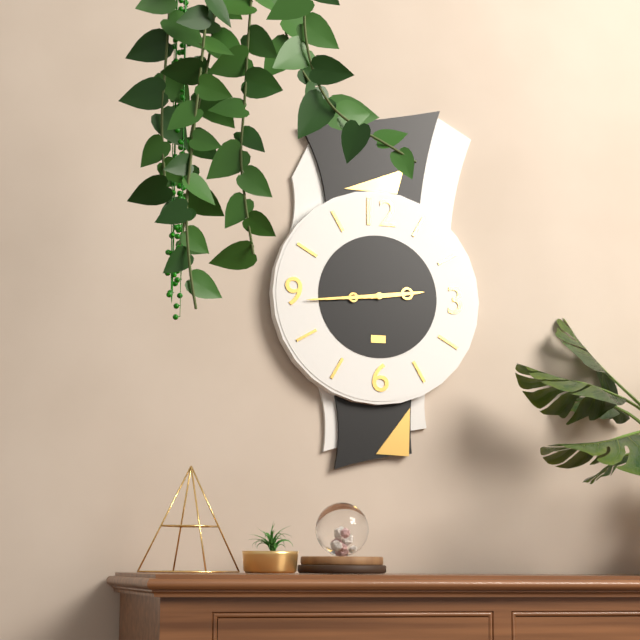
2:44
